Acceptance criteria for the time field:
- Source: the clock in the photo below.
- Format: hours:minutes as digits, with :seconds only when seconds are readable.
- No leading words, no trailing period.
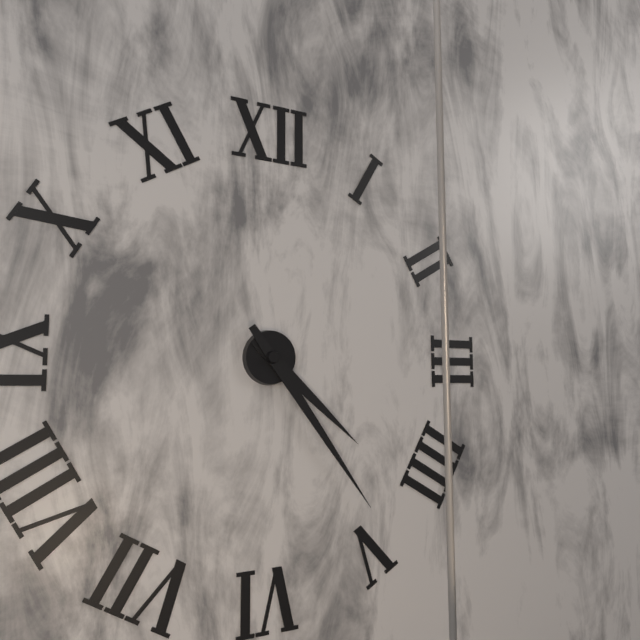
4:24
